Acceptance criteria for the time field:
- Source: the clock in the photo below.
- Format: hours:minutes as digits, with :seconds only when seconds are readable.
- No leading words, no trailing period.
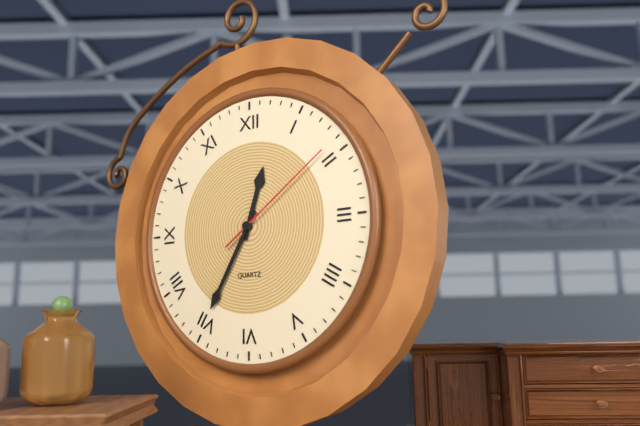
12:35:09
